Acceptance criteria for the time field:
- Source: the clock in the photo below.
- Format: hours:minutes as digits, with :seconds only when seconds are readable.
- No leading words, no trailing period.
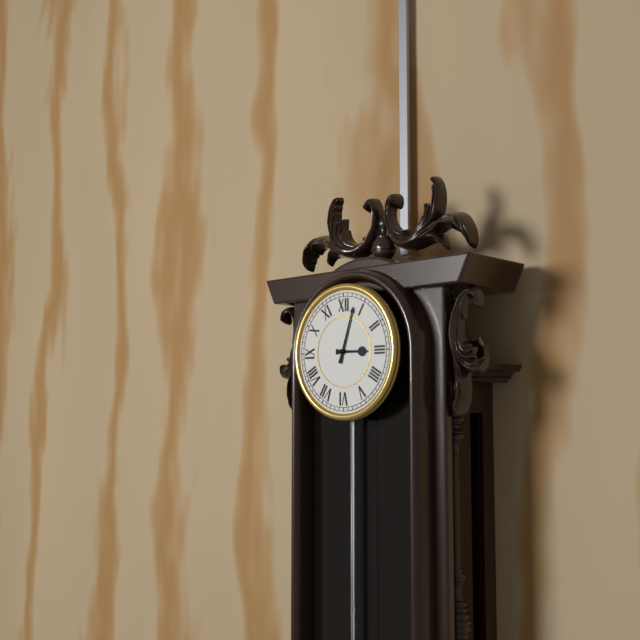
3:03
